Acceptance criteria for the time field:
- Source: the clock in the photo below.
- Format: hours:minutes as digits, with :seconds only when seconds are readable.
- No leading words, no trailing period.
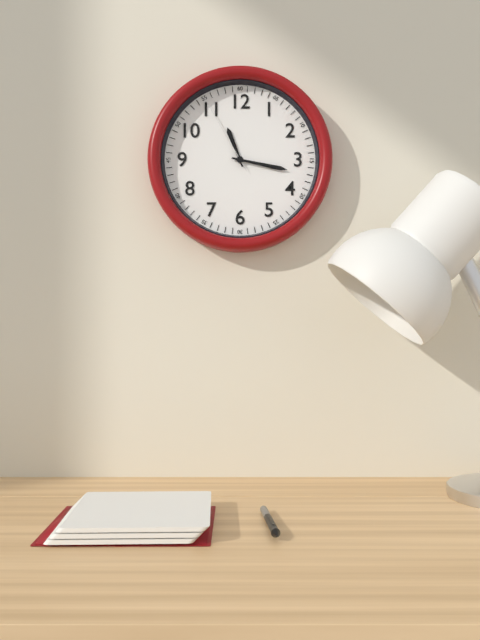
11:17:55
